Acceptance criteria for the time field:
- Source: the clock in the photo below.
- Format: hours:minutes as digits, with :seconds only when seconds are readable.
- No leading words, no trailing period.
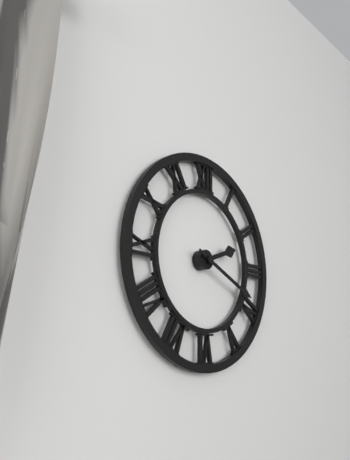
2:19
